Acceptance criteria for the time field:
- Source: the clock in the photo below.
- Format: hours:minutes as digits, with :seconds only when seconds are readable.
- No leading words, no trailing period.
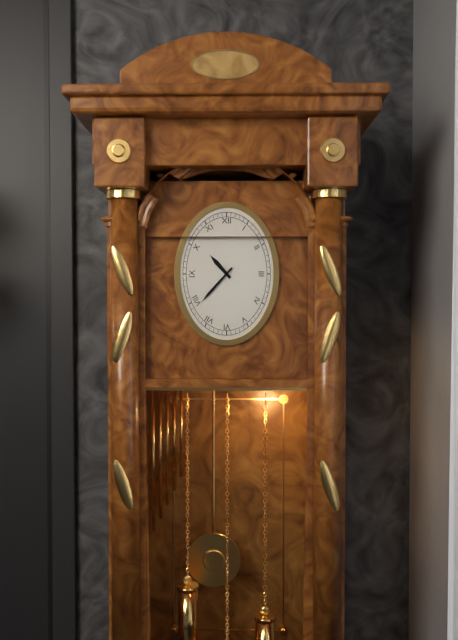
10:37
